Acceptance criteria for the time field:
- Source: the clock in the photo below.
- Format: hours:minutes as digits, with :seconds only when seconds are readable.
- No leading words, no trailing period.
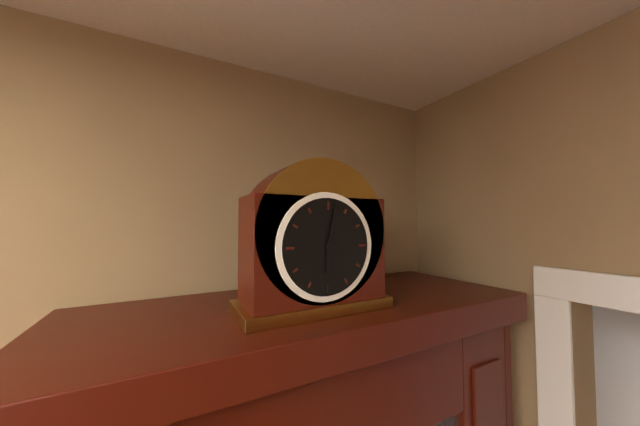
6:02
